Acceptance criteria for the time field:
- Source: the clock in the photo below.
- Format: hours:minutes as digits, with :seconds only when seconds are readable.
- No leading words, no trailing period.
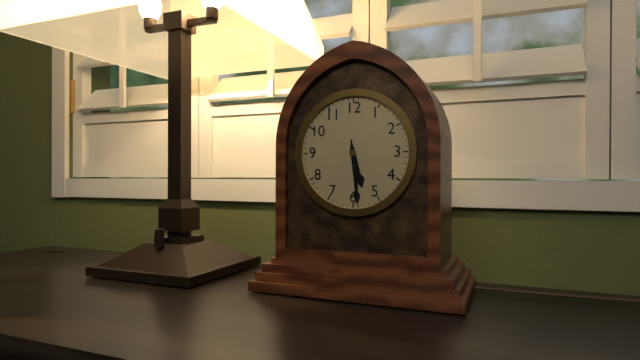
5:29:29
